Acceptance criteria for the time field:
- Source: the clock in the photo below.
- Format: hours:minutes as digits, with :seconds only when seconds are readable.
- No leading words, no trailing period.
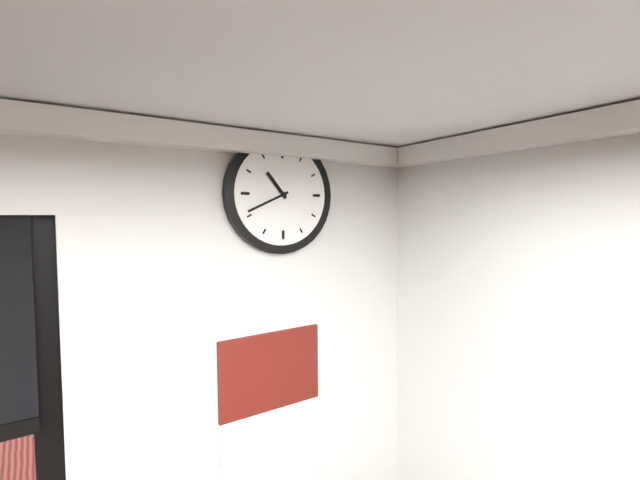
10:41
